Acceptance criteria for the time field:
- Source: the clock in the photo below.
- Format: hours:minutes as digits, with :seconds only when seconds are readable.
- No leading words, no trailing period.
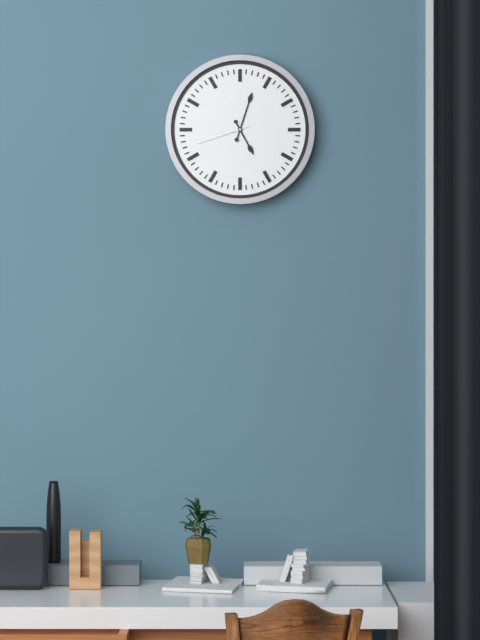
5:03:42
